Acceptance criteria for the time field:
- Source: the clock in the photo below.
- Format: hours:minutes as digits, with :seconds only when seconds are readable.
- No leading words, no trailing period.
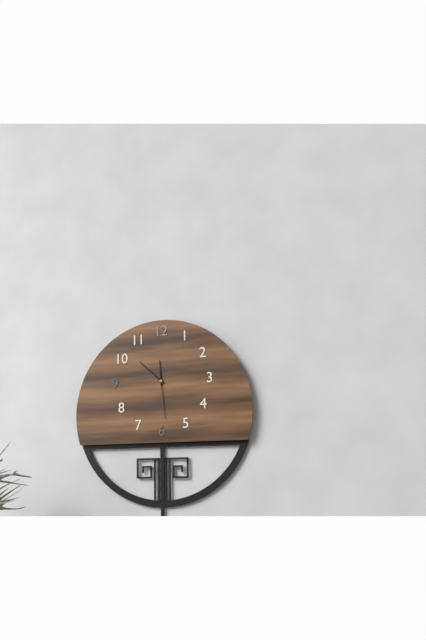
11:52
